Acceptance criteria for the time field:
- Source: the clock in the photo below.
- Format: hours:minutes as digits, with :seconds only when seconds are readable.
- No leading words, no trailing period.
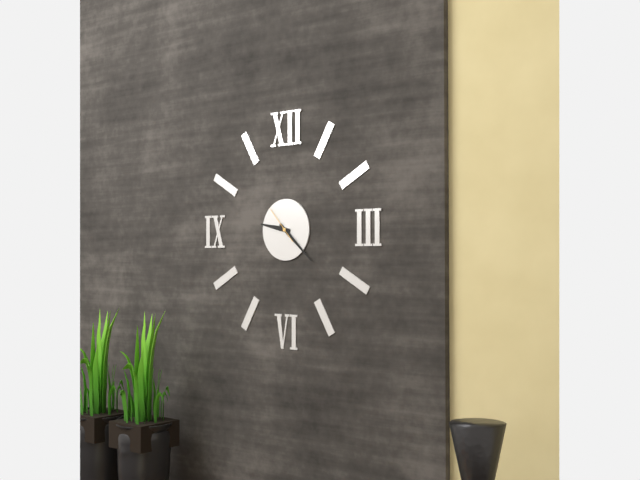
9:22
